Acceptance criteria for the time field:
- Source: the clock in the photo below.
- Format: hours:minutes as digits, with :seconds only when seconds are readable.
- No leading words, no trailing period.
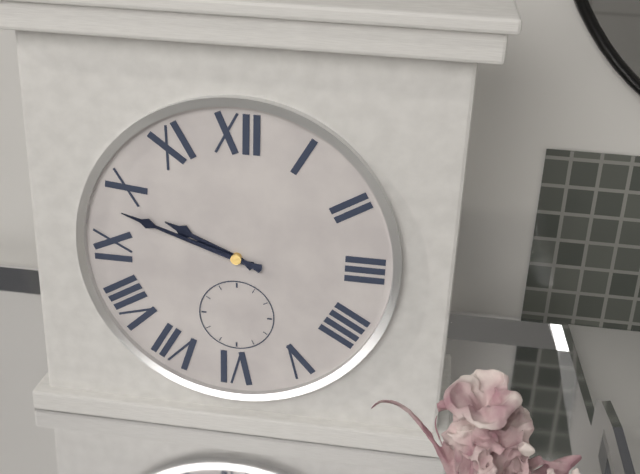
9:48
